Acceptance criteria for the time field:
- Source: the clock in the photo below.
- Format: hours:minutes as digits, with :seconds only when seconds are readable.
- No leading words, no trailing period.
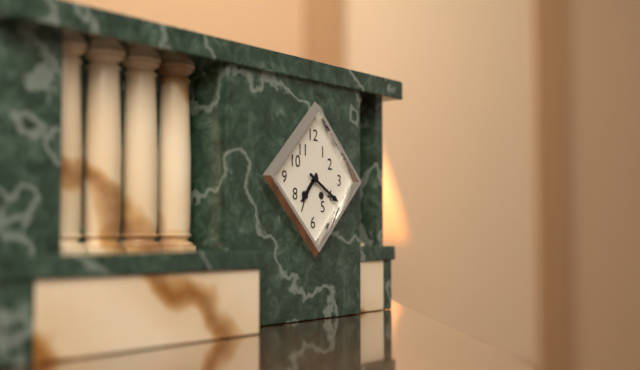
7:20
